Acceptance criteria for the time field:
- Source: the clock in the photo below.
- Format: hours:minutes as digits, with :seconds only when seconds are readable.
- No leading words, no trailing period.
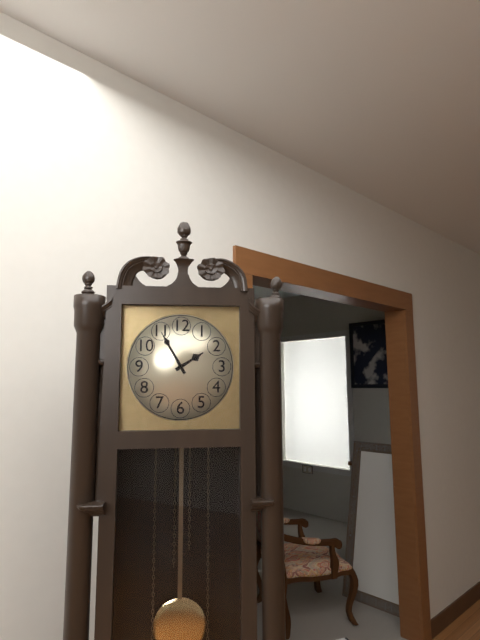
1:55
